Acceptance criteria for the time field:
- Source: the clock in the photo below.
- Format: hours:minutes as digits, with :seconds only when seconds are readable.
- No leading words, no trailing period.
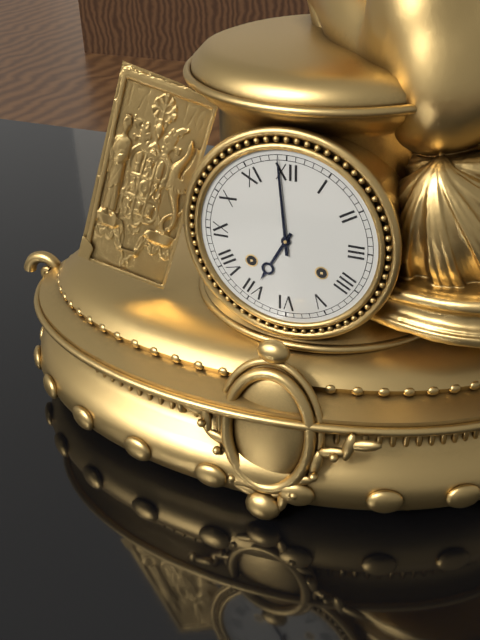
6:59
